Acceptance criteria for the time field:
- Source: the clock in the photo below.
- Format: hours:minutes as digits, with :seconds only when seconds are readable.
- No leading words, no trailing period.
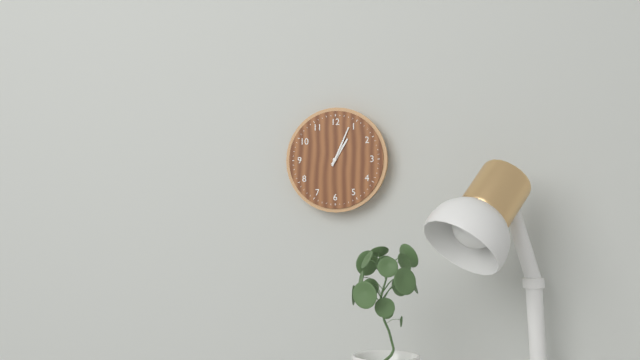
1:04
